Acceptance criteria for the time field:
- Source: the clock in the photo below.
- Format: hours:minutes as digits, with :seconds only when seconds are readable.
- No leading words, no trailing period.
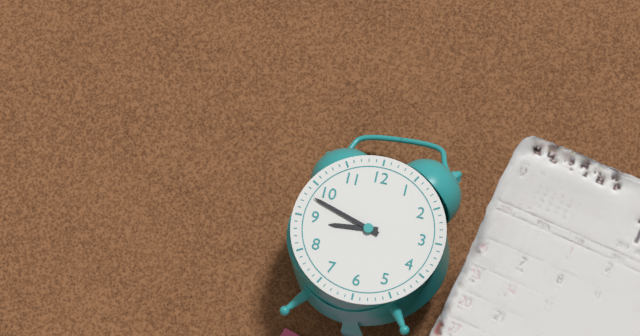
8:48
